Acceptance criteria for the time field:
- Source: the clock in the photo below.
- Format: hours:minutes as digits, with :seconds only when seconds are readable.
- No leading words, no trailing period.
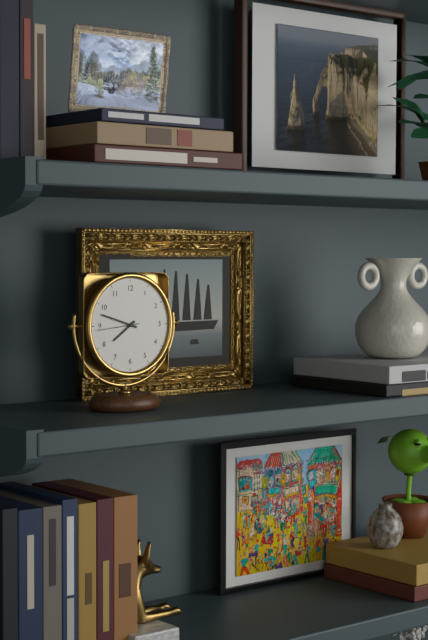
7:48
